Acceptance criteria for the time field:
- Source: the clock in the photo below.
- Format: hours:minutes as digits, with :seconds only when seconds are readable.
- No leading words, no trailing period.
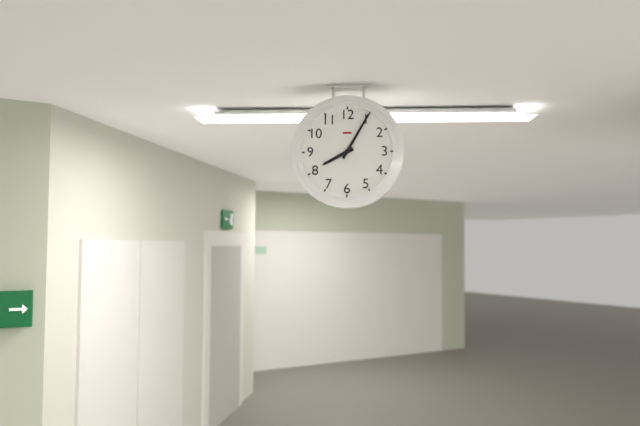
8:05
